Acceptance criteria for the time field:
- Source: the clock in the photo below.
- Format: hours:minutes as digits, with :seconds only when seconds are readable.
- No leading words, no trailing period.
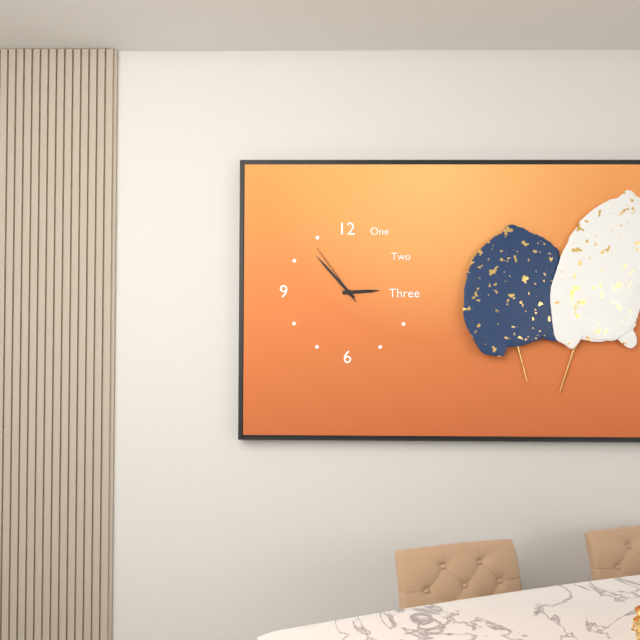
2:53:54
